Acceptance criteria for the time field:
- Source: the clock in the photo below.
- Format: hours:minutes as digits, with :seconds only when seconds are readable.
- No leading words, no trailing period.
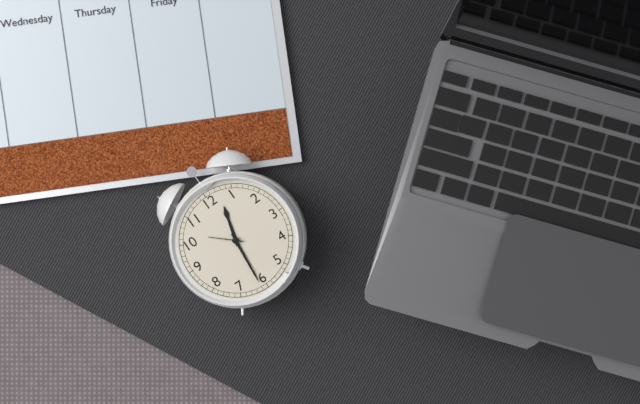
12:31
